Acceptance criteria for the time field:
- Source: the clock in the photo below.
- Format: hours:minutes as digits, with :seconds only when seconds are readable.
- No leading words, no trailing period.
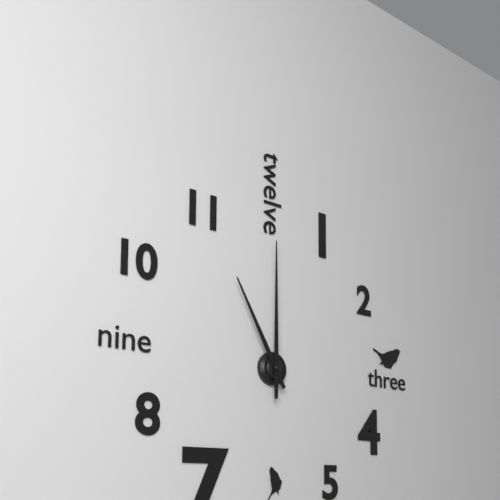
11:00
